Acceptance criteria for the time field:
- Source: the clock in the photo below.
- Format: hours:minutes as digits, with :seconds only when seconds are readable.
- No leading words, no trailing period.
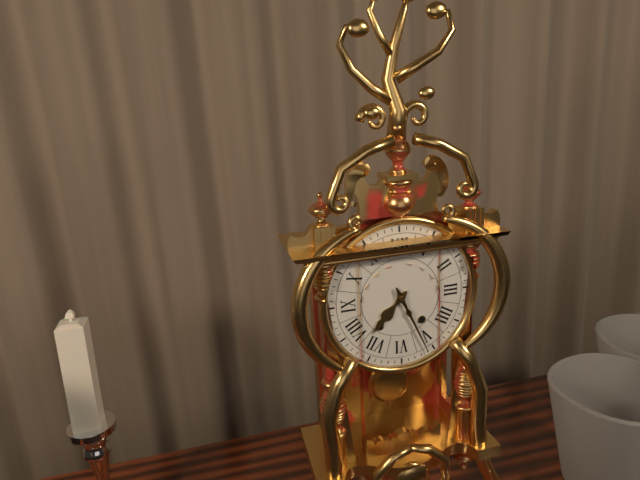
7:26
